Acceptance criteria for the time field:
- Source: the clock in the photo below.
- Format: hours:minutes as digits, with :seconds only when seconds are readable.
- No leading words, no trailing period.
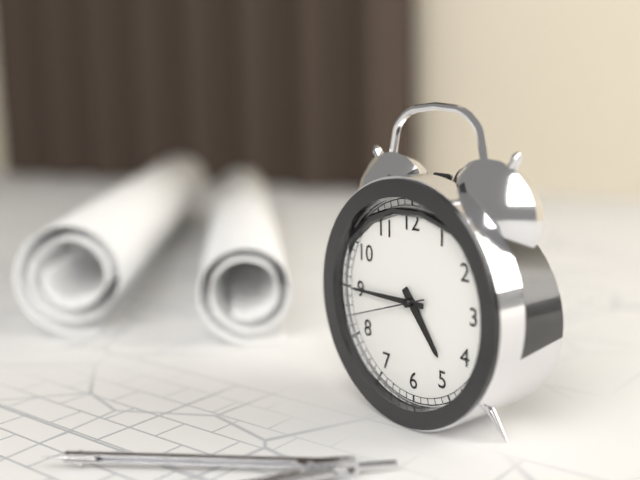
4:45:42
